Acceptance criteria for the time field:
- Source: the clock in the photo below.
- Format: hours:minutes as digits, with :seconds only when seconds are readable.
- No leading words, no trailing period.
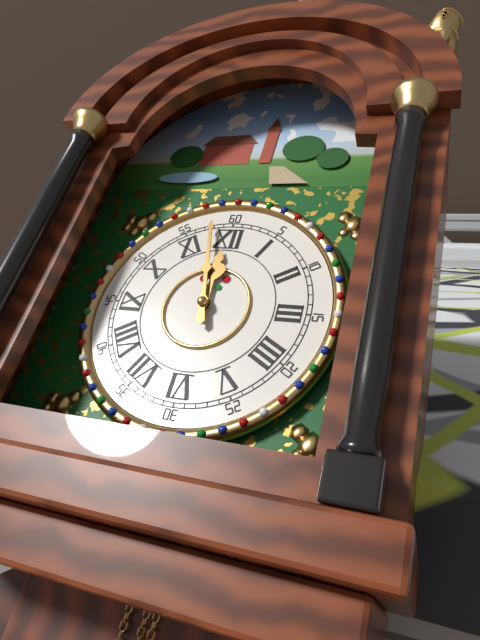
11:58
